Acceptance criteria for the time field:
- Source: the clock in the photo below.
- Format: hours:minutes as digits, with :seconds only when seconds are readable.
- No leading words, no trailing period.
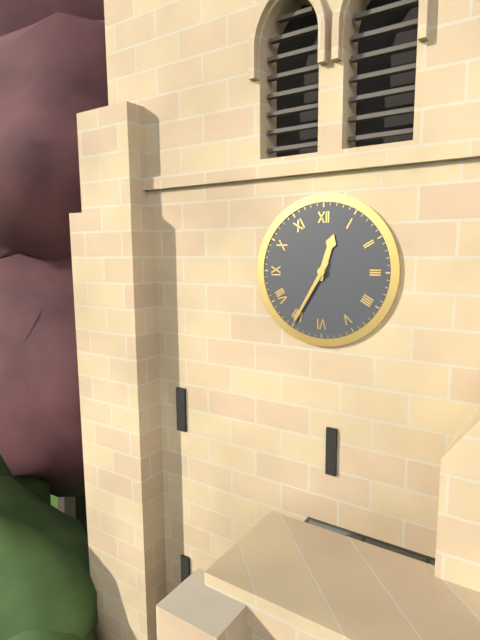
12:35
